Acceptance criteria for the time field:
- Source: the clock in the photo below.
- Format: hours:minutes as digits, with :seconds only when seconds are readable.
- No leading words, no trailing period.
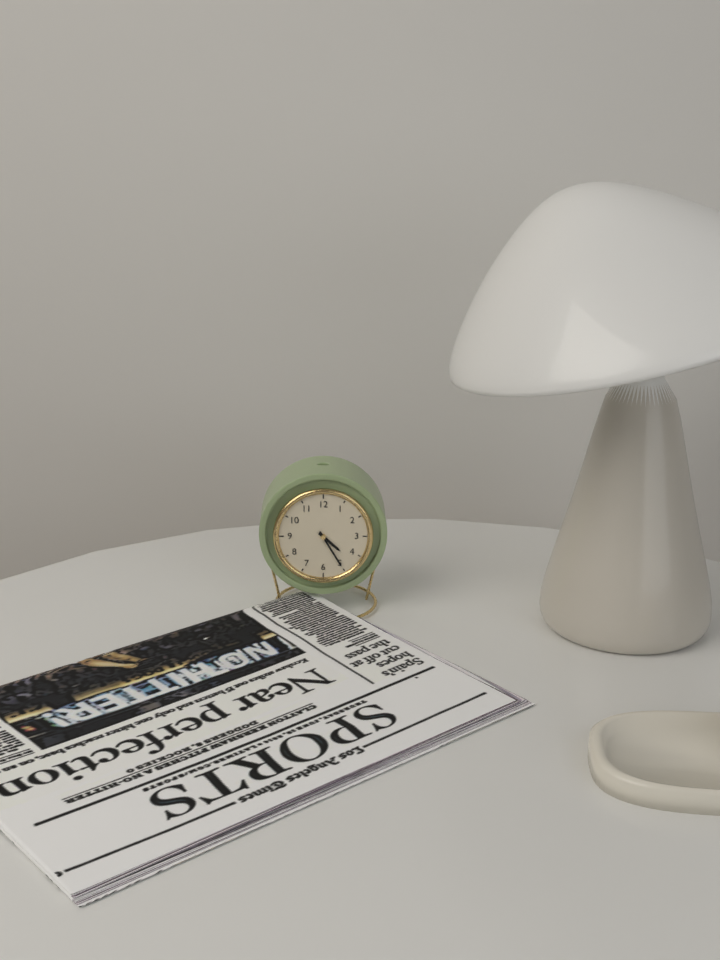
4:25
